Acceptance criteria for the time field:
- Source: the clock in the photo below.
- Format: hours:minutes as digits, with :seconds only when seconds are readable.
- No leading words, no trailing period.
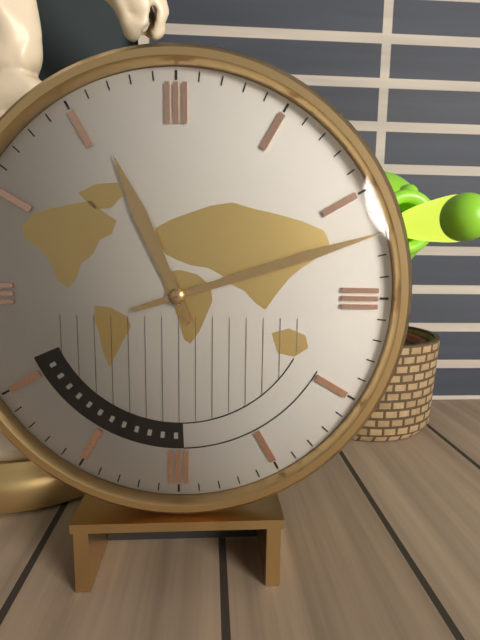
11:12
